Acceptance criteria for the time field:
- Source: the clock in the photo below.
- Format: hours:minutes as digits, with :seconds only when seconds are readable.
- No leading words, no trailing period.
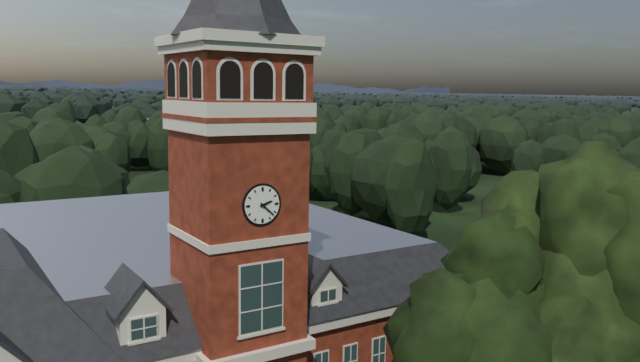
2:22
